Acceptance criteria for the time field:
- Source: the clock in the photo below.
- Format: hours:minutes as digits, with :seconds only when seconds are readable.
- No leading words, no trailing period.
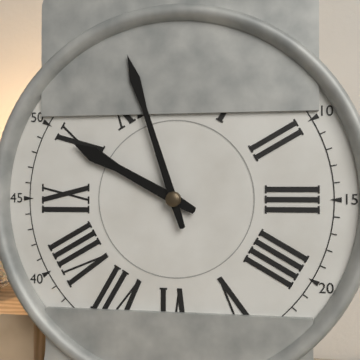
9:57
